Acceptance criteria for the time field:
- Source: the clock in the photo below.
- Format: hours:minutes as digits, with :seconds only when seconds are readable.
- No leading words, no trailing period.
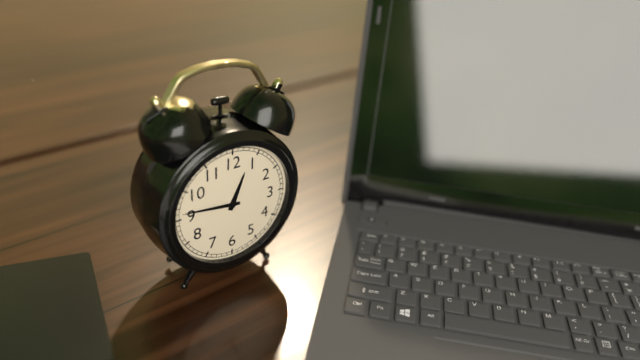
12:46
